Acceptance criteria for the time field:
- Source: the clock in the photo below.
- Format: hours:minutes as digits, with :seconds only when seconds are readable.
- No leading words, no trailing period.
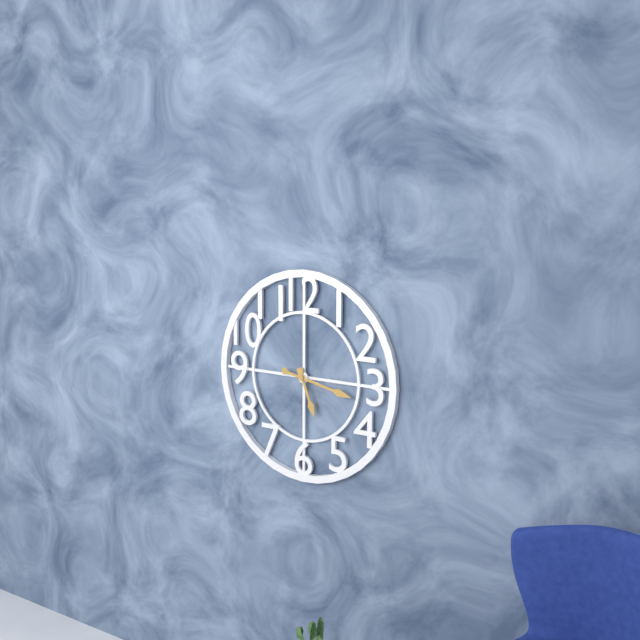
5:17
